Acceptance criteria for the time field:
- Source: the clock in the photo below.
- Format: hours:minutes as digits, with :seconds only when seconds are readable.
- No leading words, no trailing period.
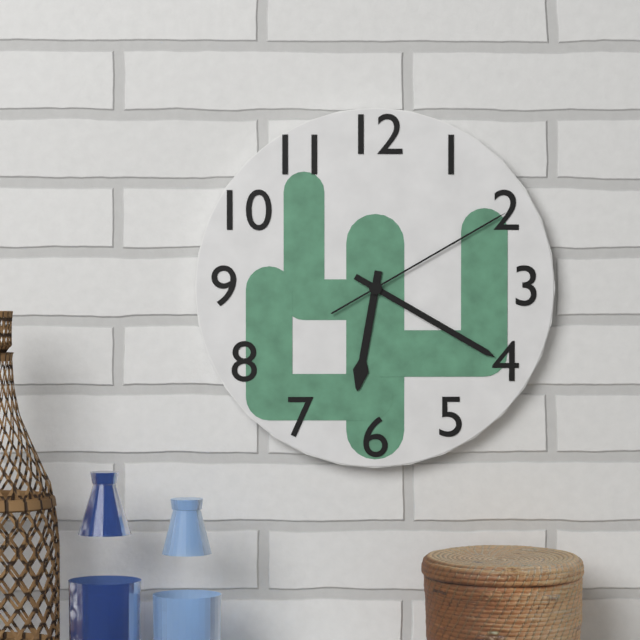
6:20:10
